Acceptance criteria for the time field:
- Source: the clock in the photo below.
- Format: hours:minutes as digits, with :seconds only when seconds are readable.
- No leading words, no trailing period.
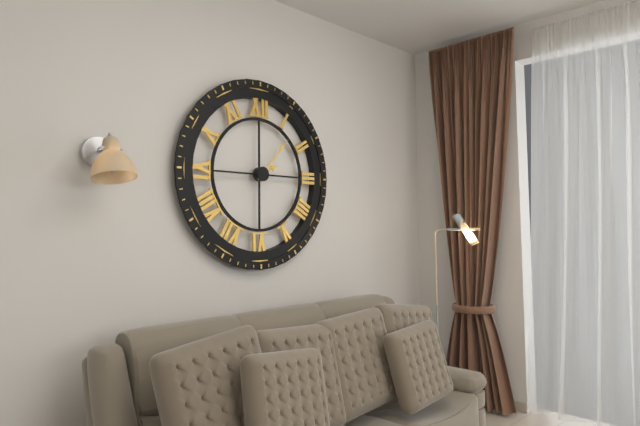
2:07
